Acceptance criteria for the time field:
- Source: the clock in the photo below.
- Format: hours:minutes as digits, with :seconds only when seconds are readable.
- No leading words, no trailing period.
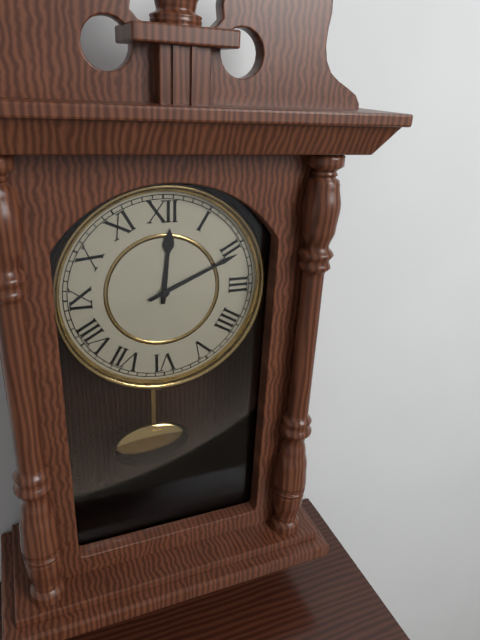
12:11
